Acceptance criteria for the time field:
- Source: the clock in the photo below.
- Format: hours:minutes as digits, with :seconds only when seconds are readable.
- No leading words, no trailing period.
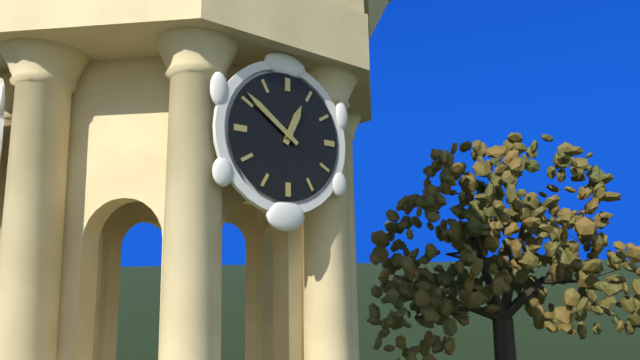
12:51
